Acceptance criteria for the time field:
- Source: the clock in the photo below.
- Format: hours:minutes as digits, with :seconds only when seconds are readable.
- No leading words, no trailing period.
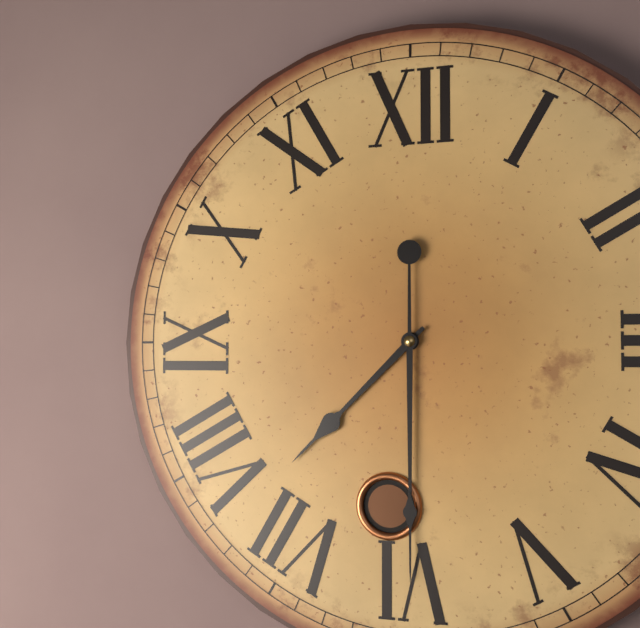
7:30
